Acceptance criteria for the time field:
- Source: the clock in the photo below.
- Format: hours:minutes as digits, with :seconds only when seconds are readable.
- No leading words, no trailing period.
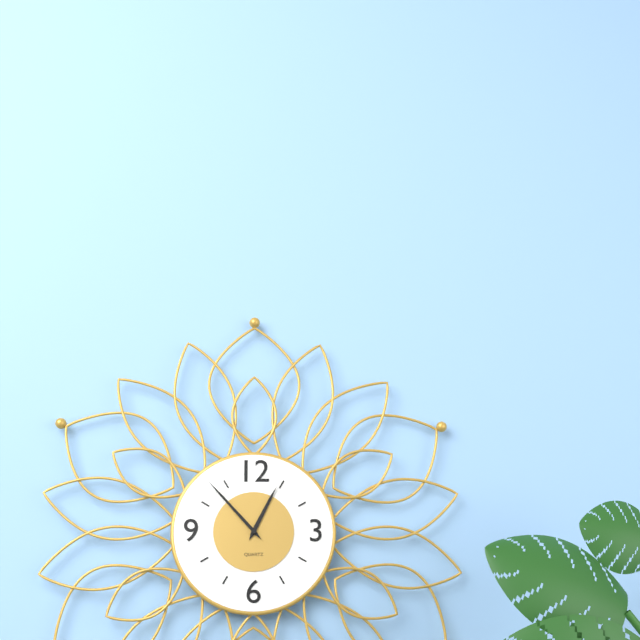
12:53
